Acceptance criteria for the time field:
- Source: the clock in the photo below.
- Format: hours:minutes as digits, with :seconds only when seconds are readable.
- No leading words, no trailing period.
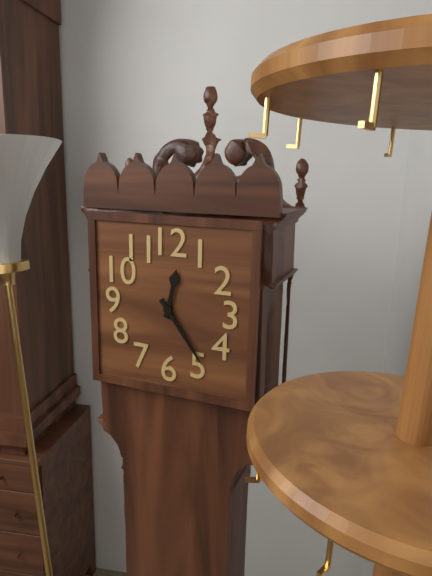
12:24
